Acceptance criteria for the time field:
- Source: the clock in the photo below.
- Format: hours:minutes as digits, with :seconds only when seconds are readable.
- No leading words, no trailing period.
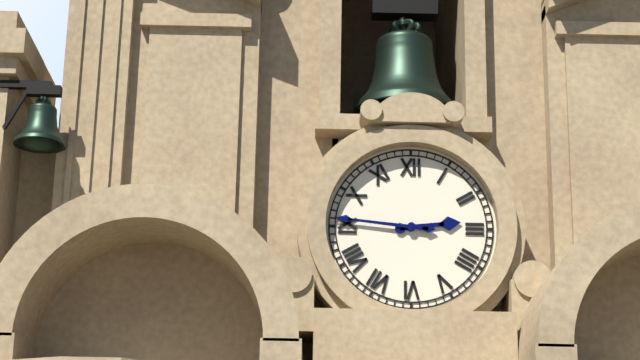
2:46
